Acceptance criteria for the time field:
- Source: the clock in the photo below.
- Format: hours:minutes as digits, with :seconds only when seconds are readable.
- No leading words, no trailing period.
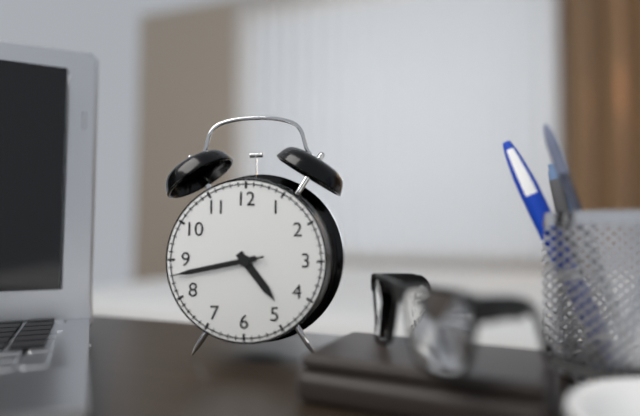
4:43:43
